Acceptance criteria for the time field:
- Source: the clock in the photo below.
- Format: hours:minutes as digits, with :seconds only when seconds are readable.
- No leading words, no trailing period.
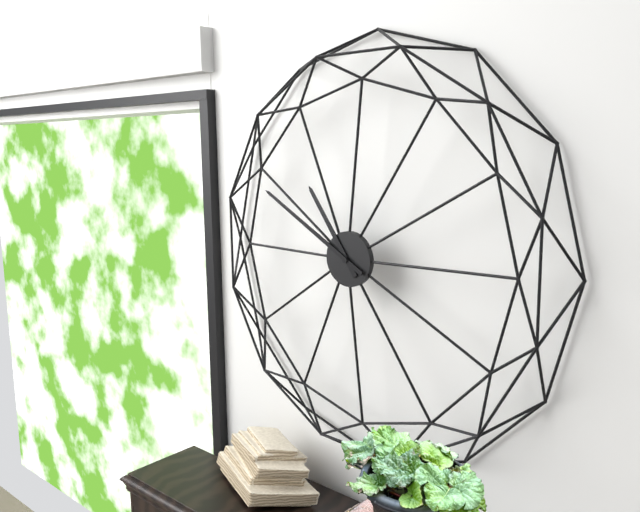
10:50
